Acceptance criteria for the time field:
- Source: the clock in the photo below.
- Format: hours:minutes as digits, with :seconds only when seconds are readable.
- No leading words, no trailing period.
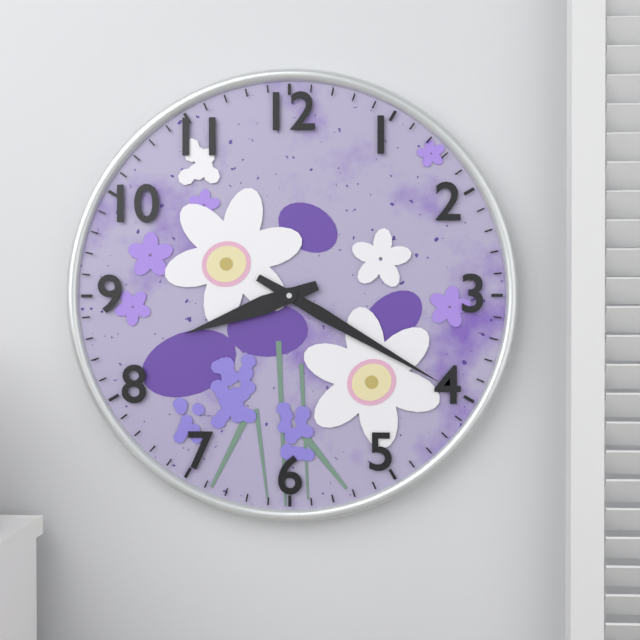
8:20
